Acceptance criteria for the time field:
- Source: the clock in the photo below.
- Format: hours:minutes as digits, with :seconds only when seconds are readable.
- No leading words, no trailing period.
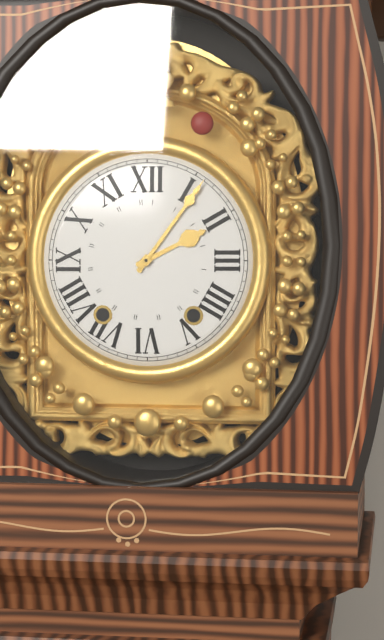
2:06
